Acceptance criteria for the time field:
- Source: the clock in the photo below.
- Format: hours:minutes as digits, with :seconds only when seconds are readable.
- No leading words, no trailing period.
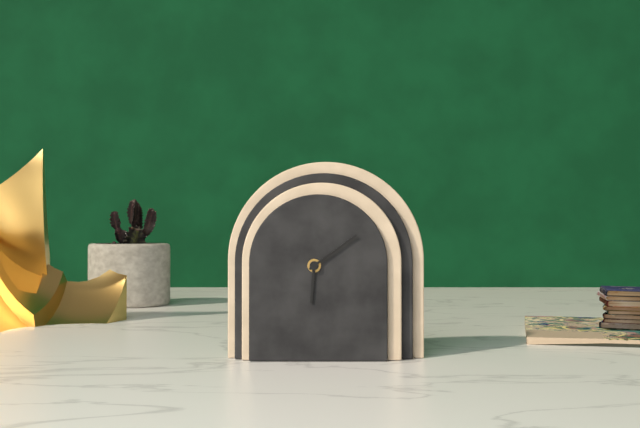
6:09
